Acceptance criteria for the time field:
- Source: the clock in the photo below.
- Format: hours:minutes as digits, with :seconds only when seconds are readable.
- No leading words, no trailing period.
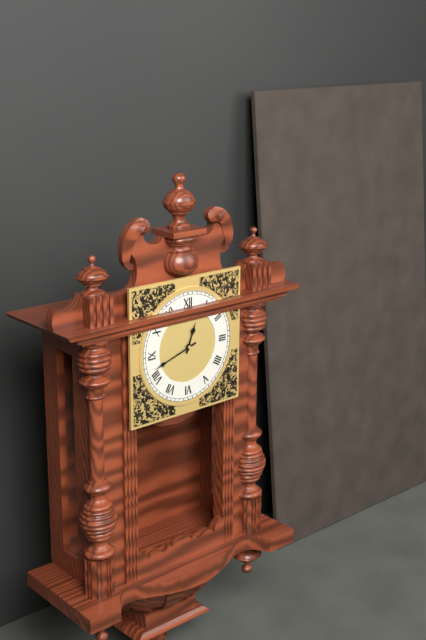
12:42
